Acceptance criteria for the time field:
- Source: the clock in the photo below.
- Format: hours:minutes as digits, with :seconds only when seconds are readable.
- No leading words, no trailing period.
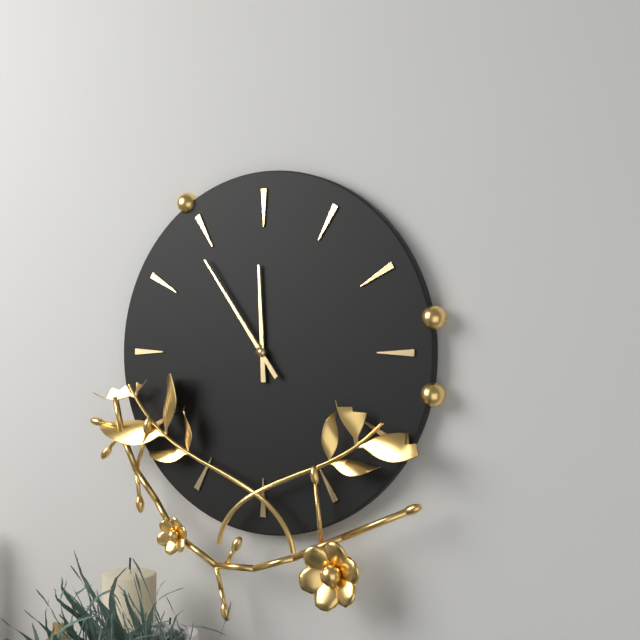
11:54
